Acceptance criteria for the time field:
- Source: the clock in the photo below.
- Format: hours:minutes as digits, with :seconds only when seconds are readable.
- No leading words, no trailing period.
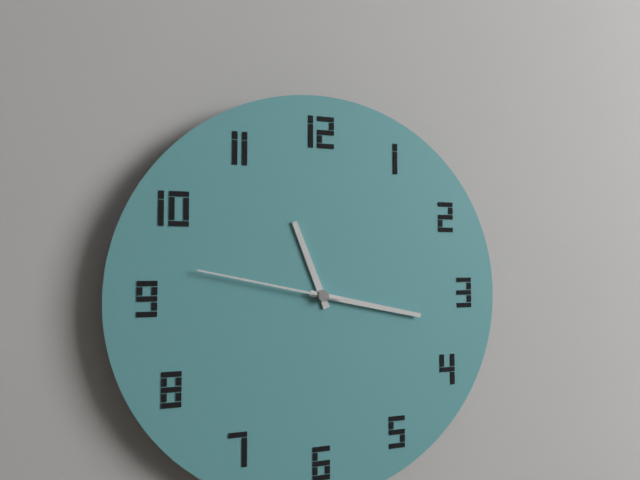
11:17:47
